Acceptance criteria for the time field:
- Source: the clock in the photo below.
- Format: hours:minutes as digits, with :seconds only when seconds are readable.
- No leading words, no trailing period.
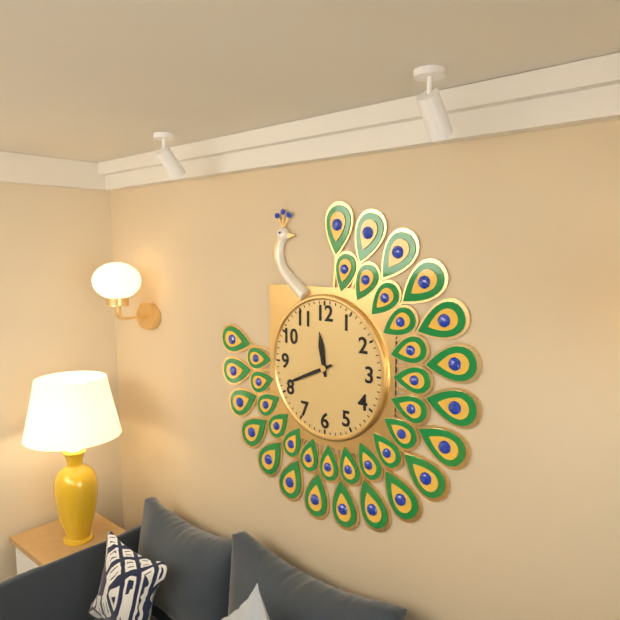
11:41
